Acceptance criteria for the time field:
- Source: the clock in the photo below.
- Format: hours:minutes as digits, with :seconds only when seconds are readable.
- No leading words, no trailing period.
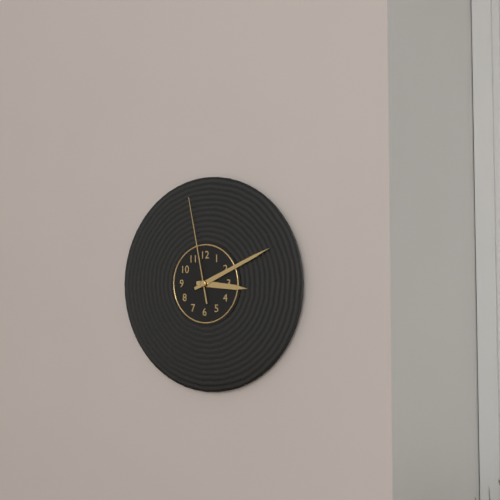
3:11:58
